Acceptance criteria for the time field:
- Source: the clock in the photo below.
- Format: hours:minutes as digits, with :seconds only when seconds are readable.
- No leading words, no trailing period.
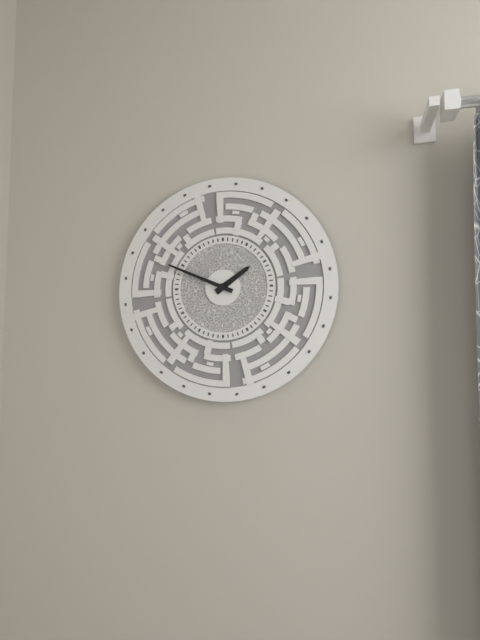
1:49
